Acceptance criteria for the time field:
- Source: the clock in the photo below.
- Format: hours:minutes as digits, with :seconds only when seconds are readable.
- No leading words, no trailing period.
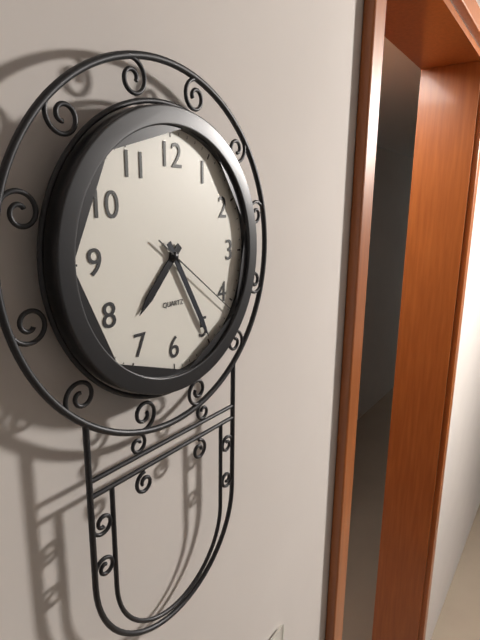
7:25:21
